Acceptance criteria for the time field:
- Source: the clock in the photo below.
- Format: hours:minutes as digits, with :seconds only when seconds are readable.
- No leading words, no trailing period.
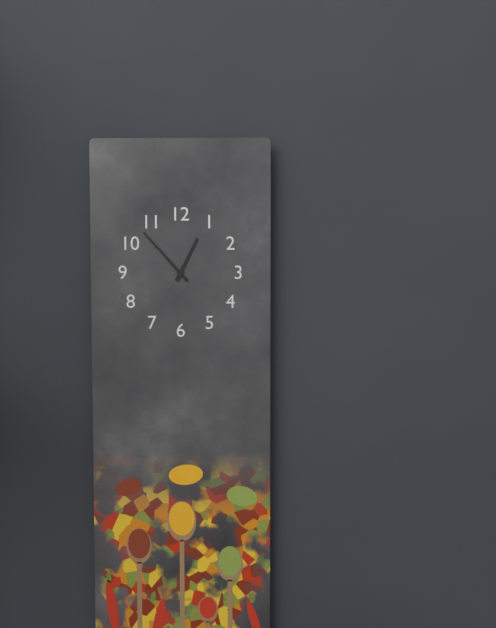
12:53
